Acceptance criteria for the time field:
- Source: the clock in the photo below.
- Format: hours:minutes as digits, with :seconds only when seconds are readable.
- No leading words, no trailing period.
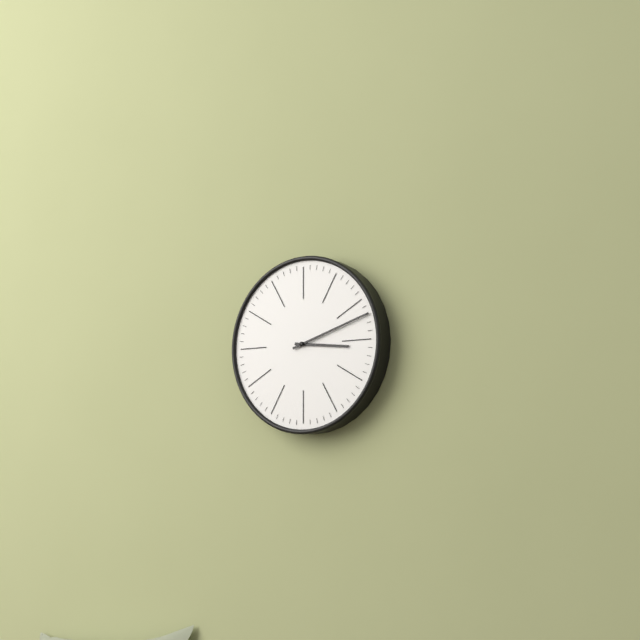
3:12
